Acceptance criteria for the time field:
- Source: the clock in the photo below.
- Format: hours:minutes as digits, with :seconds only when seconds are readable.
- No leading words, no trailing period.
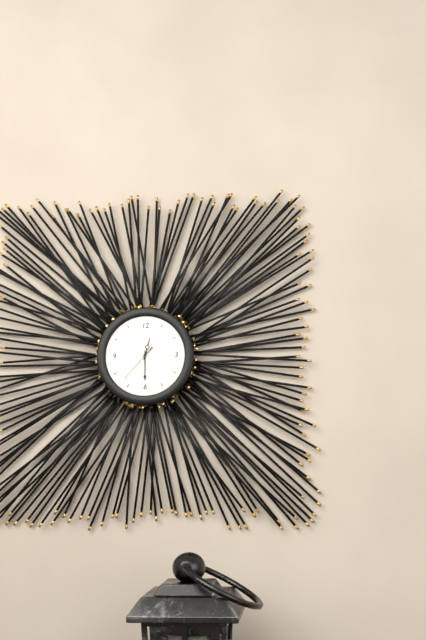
12:30
